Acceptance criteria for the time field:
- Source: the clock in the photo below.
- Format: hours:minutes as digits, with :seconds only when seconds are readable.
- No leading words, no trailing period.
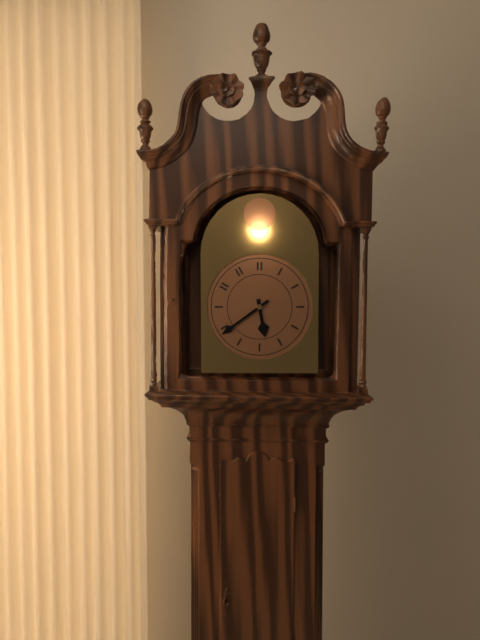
5:39
